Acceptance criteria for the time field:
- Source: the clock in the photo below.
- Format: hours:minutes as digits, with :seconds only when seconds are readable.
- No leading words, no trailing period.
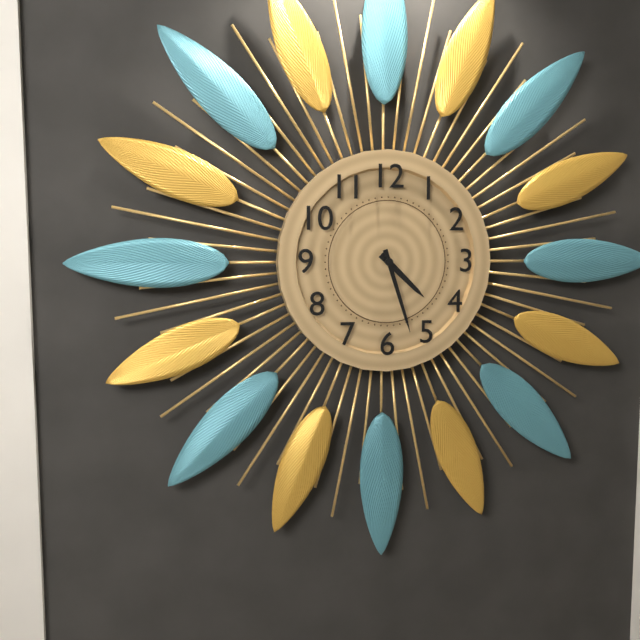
4:27
